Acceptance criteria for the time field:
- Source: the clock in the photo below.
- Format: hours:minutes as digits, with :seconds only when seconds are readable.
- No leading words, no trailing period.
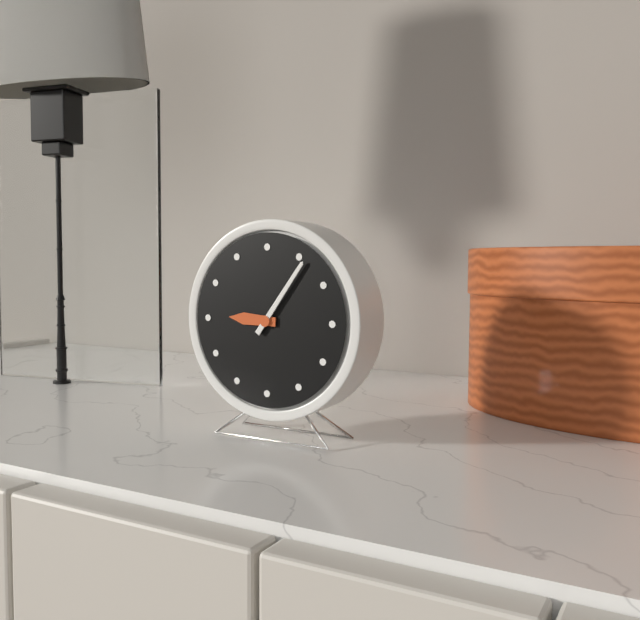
9:06
